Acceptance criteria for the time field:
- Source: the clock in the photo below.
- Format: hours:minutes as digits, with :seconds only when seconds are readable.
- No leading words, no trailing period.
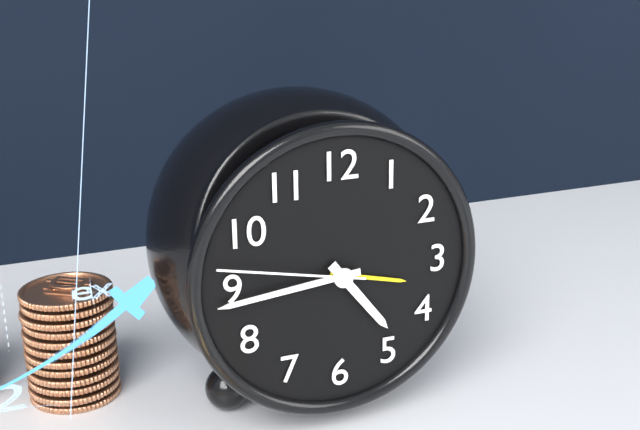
4:44:47
